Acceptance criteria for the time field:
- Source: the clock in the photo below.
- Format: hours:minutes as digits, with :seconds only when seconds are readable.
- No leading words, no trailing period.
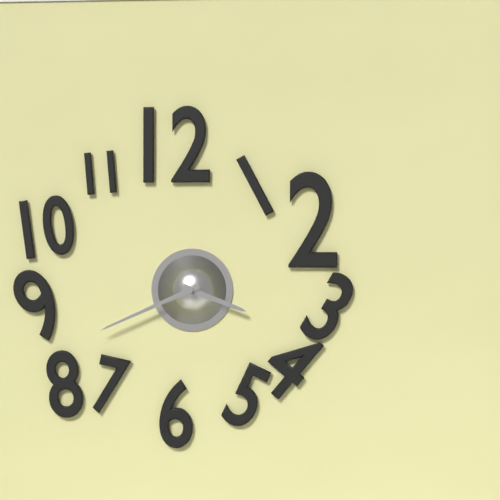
3:41
